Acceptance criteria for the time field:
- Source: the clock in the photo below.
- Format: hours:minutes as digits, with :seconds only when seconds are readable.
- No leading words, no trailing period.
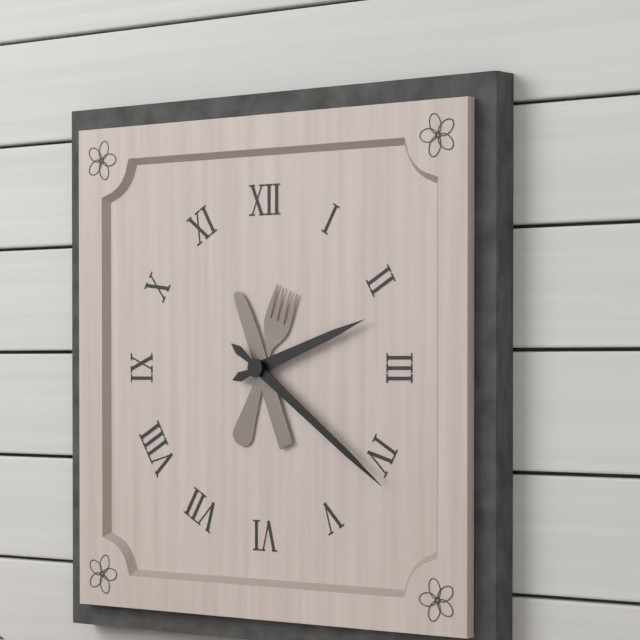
2:21
